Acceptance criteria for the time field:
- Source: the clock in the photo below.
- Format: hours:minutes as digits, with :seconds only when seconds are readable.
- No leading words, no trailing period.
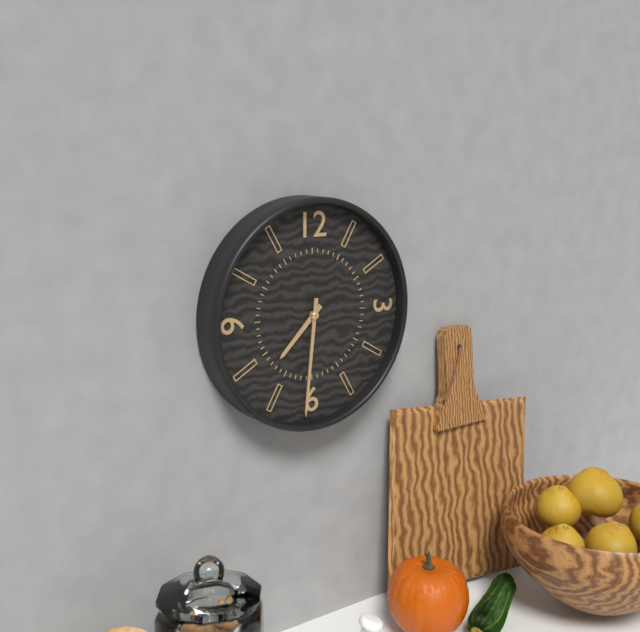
7:31
